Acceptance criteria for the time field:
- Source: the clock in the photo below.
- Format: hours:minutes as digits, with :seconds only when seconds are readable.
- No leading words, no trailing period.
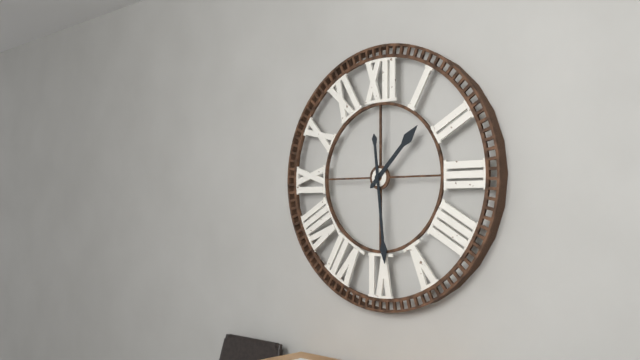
1:29
